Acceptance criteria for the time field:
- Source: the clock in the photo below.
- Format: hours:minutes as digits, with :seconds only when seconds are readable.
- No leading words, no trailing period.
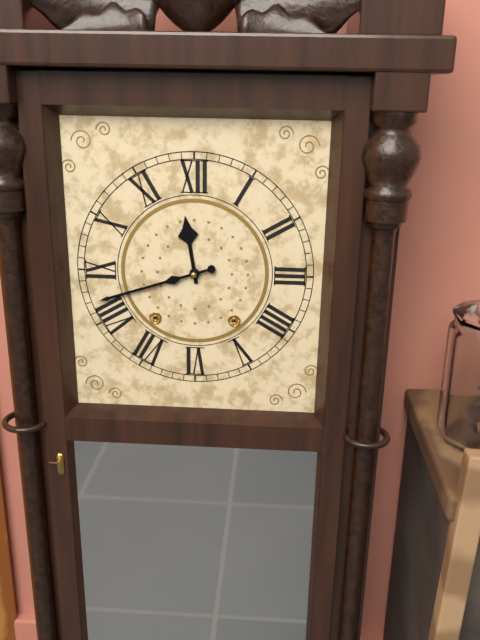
11:42
